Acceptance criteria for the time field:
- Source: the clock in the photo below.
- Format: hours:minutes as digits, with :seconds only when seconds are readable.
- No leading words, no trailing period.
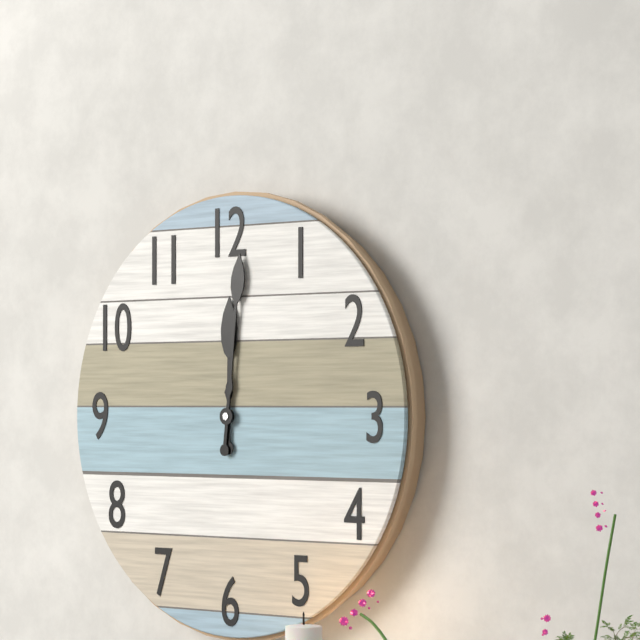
12:01
